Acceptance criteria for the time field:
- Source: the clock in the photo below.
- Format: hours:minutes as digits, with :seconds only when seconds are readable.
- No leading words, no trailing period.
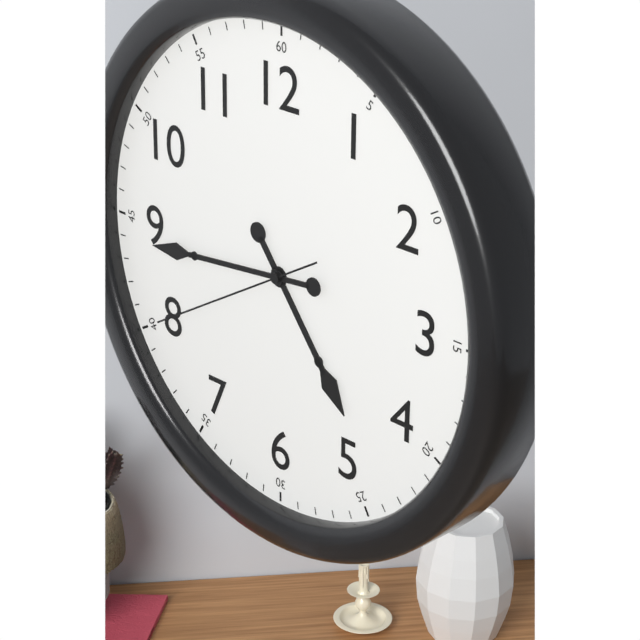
4:44:40
